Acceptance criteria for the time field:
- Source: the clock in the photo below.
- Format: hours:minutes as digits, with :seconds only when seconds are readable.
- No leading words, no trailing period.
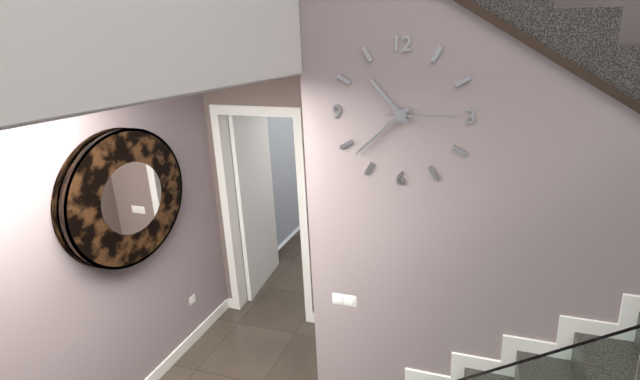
10:38:15
